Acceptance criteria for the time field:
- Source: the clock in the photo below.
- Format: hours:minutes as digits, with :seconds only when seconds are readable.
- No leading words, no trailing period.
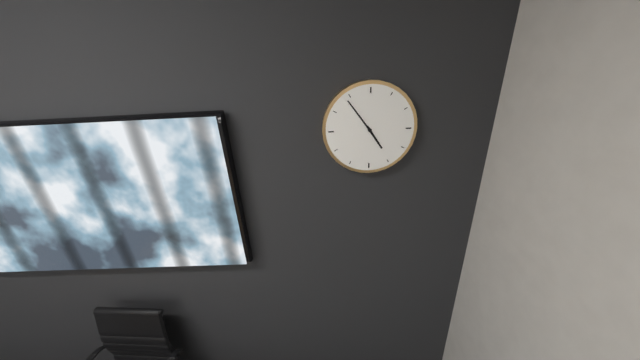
4:54
